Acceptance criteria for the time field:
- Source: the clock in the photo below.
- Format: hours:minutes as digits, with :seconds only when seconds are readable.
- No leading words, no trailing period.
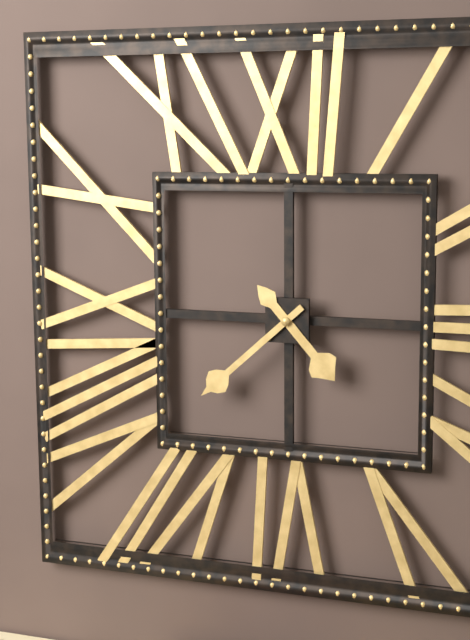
4:38
